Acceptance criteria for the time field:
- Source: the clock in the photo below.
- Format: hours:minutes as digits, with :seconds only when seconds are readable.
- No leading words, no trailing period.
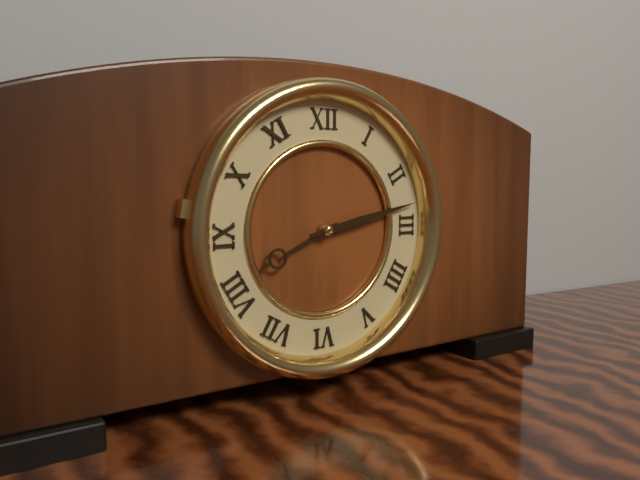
8:13
